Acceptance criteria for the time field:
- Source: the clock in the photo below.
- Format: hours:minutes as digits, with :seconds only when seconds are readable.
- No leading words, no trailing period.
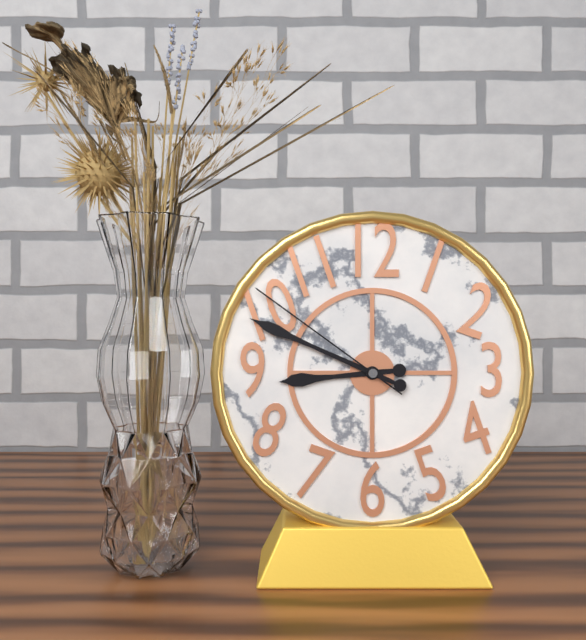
8:49:51
